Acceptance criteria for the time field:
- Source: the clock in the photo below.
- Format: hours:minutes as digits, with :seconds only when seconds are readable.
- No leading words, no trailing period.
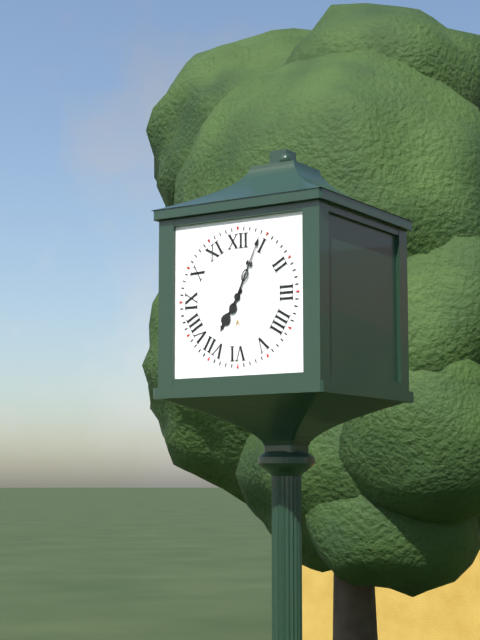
7:04
